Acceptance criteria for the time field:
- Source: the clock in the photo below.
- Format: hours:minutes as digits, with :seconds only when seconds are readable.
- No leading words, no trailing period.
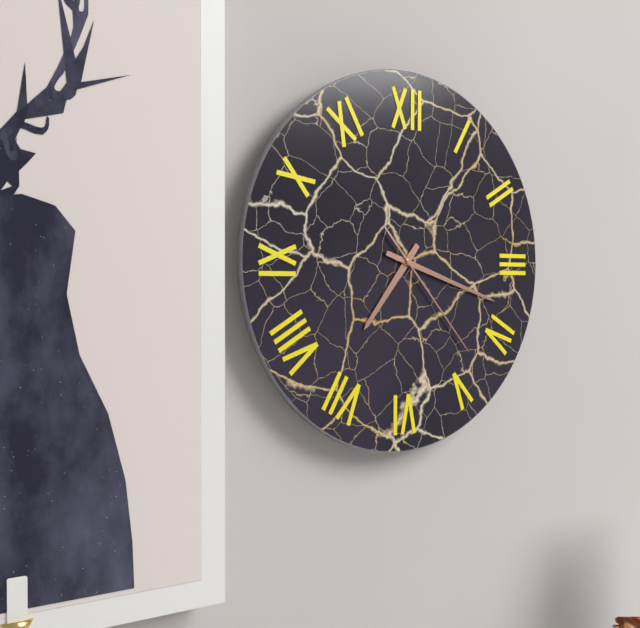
7:18:23
